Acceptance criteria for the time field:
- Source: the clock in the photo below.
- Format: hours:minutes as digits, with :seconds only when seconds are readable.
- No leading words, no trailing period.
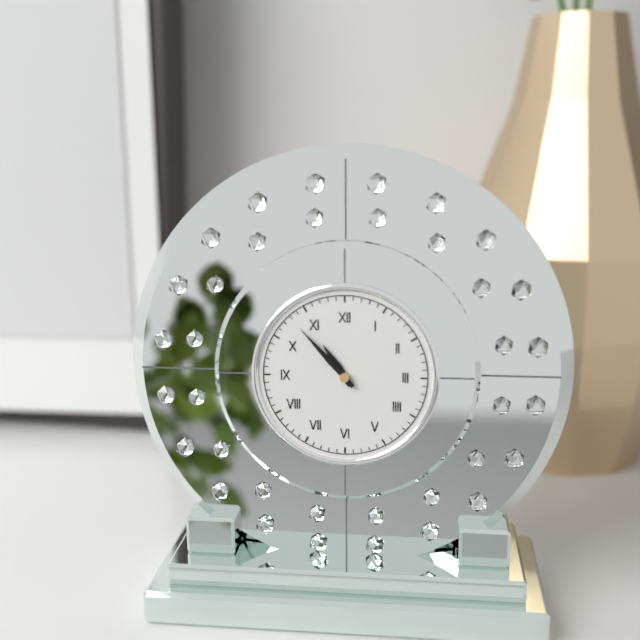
10:53
